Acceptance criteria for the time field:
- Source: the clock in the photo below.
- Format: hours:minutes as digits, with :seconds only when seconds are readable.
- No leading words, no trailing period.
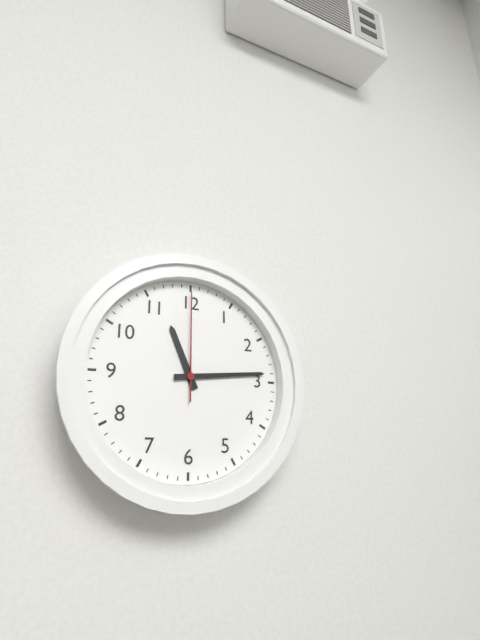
11:14:00
